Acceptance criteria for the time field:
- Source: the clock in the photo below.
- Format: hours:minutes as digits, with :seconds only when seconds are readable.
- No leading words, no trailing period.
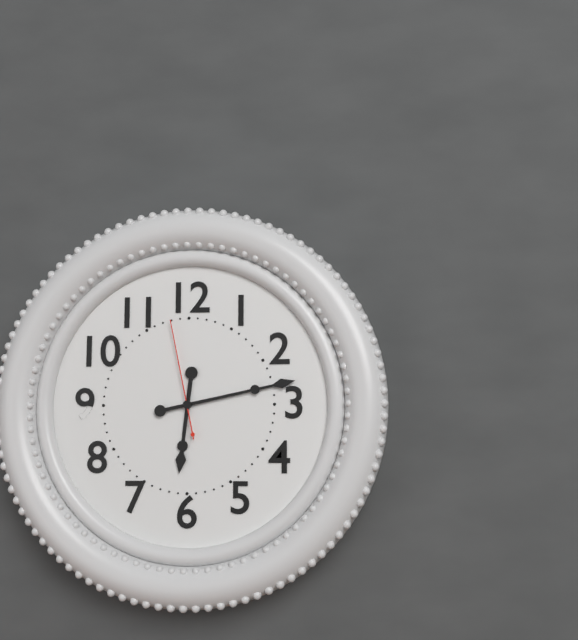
6:13:58
